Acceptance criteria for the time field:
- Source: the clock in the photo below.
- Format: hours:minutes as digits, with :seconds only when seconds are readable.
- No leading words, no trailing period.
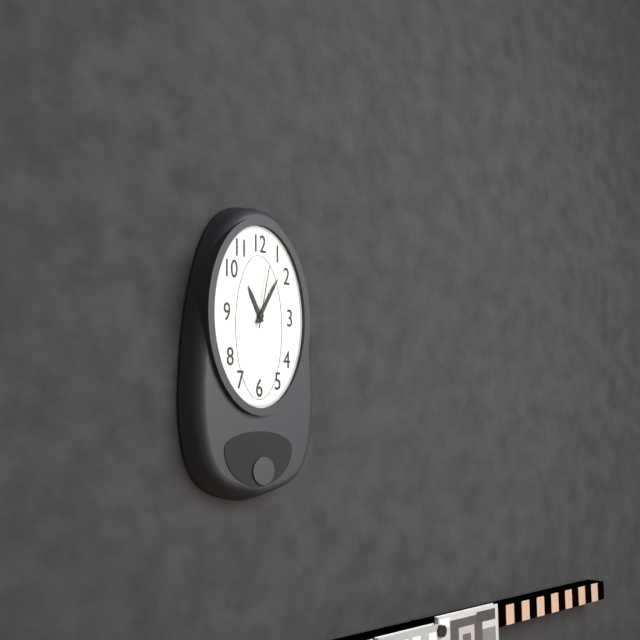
11:05:02
